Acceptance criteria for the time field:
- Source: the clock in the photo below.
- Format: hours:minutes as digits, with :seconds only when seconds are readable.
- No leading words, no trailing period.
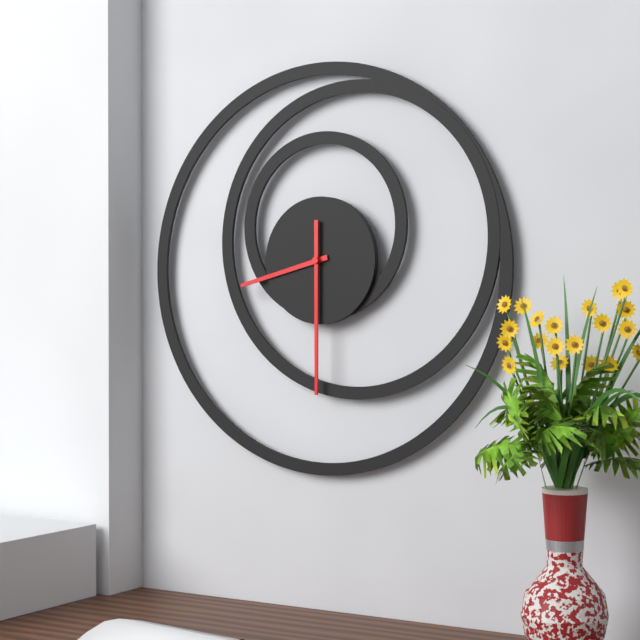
8:30
